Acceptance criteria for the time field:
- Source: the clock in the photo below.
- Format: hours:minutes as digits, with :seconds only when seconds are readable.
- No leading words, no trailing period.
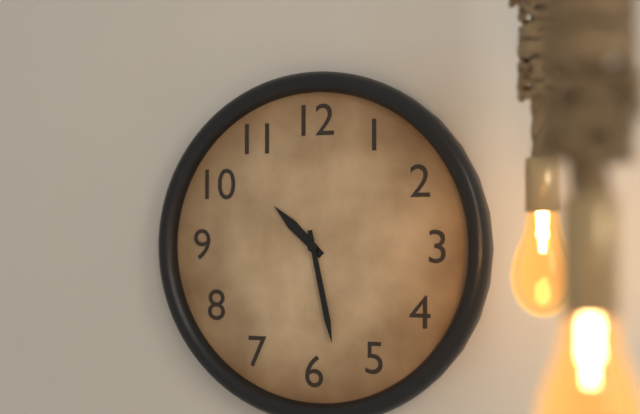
10:28
